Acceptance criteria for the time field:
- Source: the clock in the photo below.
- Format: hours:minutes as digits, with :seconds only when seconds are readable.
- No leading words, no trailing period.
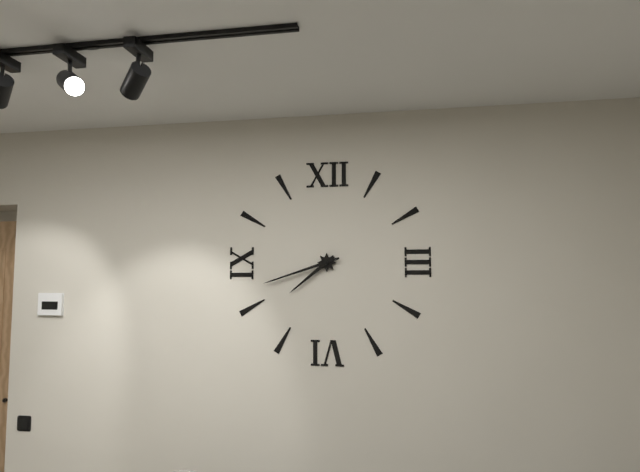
7:42
